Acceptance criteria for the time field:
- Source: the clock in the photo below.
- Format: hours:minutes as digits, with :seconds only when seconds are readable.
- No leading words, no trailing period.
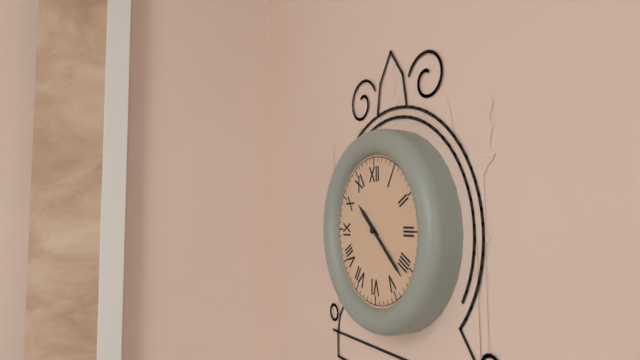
10:22
